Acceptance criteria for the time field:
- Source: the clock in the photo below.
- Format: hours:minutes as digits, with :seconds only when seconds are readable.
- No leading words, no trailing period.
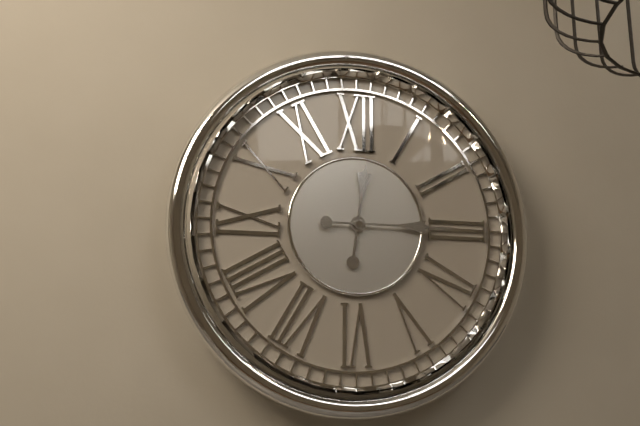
12:15
